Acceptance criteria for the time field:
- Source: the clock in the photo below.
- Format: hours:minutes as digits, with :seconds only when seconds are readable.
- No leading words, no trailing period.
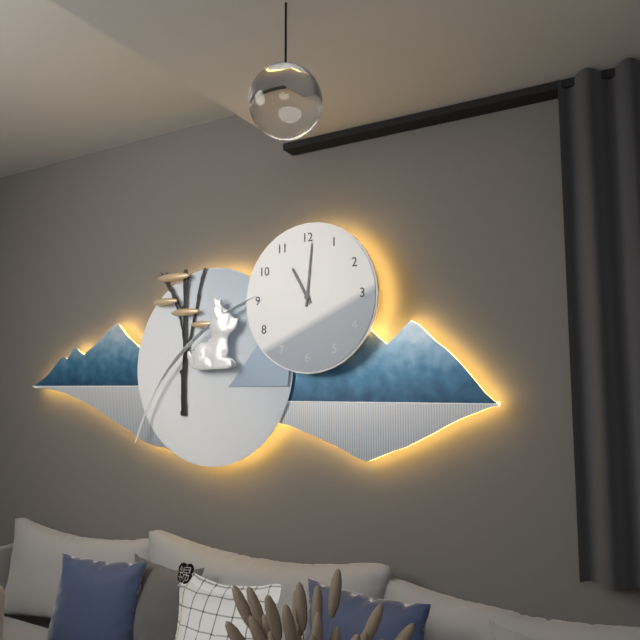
11:01
